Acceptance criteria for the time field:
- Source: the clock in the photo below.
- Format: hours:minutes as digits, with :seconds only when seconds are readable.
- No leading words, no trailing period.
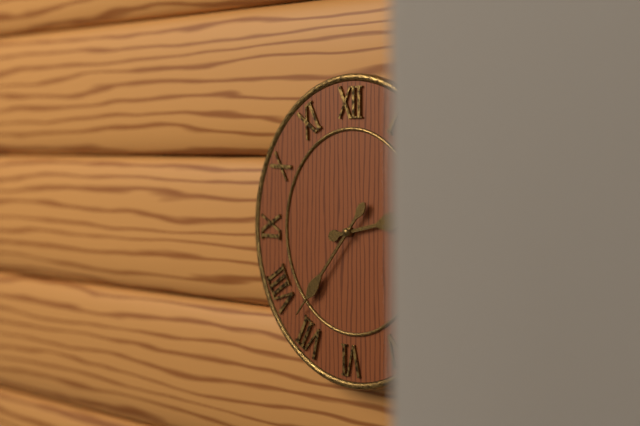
2:37
